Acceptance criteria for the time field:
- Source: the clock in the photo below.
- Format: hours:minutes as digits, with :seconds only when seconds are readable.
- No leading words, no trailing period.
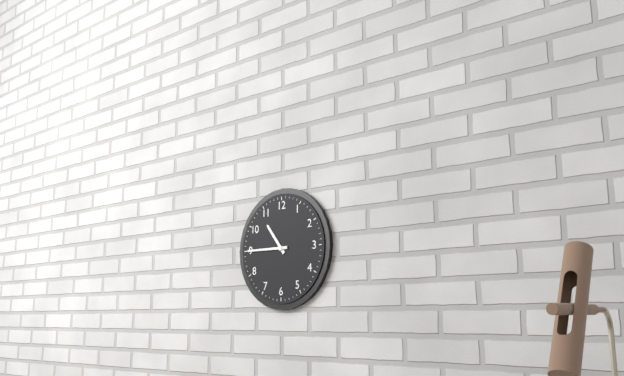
10:45
